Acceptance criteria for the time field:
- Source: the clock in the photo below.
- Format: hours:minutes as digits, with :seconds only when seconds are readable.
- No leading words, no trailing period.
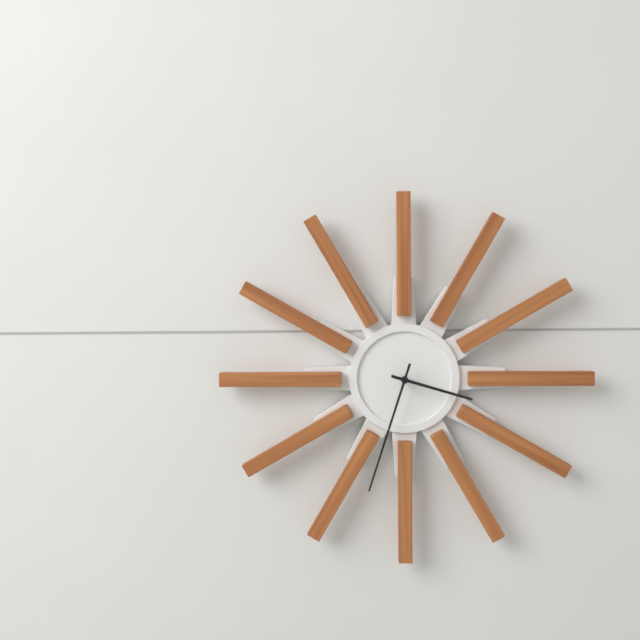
3:33
